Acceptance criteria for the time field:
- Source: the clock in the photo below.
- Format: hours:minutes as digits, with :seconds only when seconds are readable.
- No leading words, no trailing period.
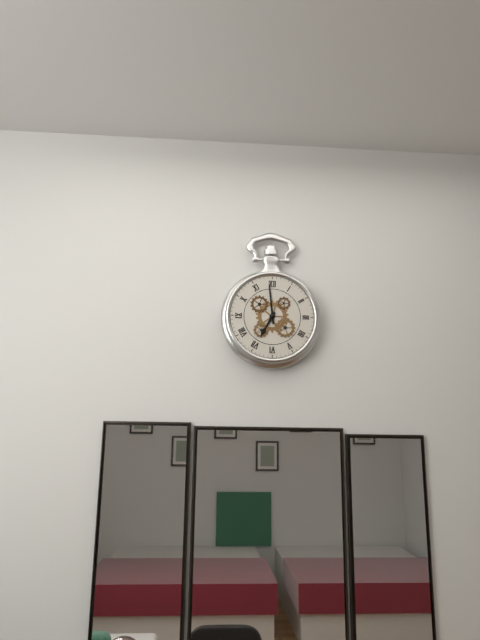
6:59
